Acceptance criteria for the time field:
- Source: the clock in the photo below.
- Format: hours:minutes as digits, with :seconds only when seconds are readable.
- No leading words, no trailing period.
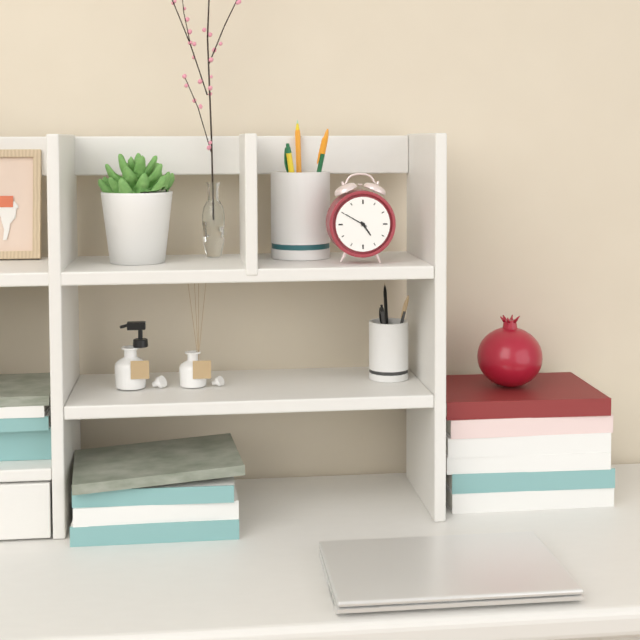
4:50
